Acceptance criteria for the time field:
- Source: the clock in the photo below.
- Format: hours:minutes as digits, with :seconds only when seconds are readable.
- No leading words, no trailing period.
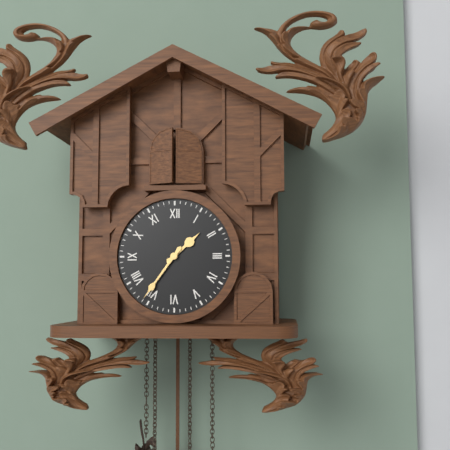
1:36
